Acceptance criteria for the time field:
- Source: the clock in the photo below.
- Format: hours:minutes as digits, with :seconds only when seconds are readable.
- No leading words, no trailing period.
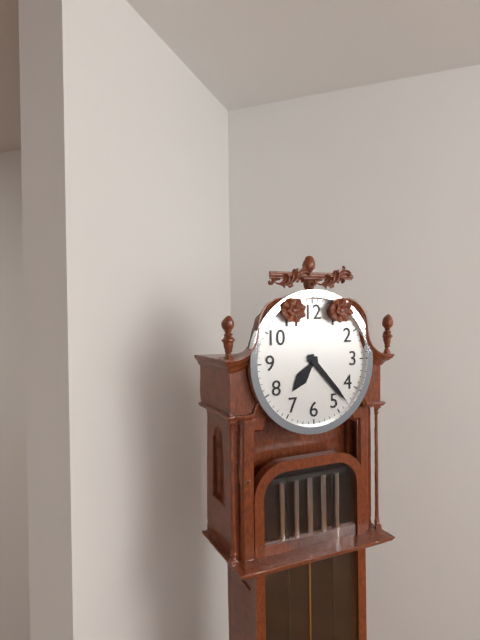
7:23
